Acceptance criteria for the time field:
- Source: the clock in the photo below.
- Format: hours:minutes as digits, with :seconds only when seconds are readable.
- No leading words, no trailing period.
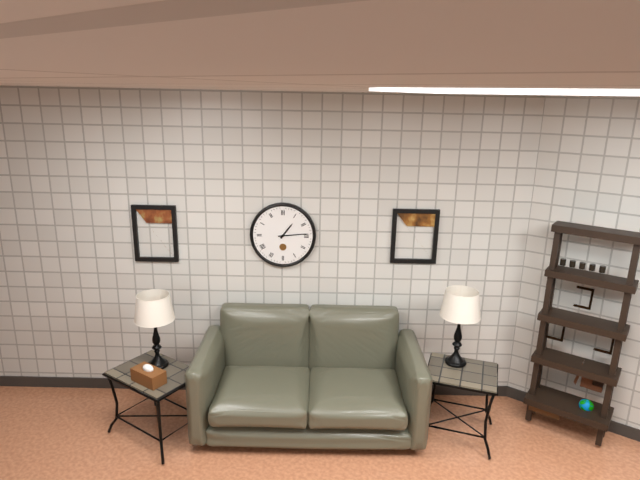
1:14
